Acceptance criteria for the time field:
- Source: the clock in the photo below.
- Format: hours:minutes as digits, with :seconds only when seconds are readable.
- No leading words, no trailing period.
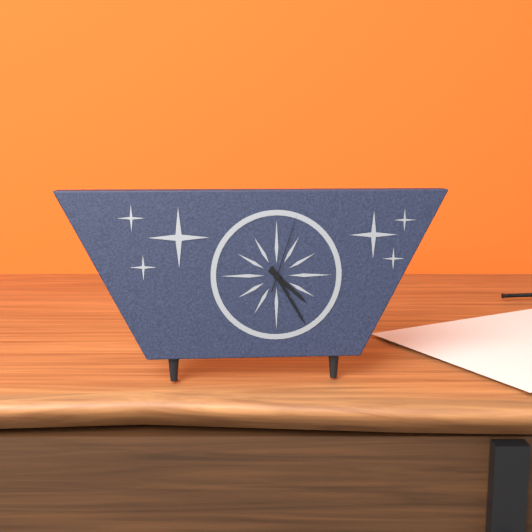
4:25:03
